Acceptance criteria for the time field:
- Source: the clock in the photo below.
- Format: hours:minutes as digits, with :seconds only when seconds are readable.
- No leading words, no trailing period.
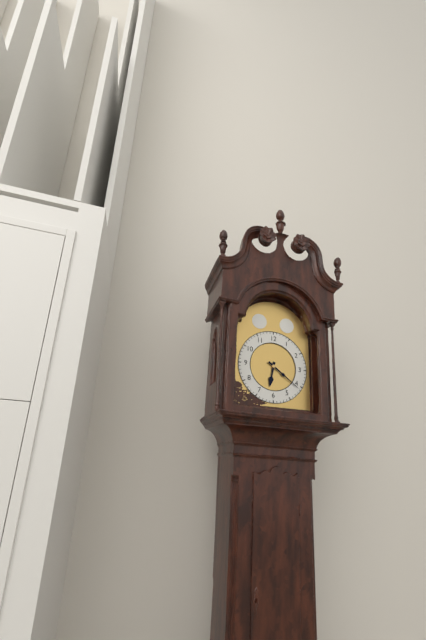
6:21
